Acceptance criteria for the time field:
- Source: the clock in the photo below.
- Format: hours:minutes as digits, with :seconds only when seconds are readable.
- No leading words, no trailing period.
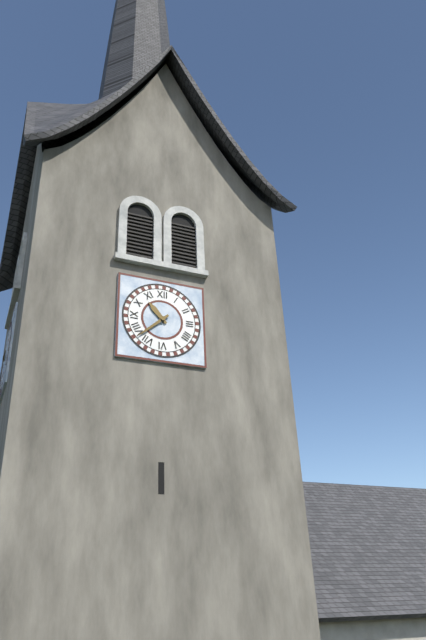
10:38
